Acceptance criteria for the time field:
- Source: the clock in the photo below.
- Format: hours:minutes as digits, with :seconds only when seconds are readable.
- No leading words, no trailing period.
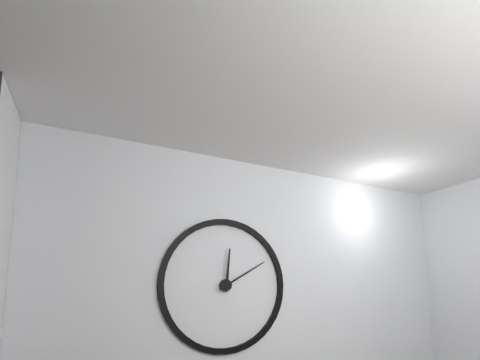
12:10
